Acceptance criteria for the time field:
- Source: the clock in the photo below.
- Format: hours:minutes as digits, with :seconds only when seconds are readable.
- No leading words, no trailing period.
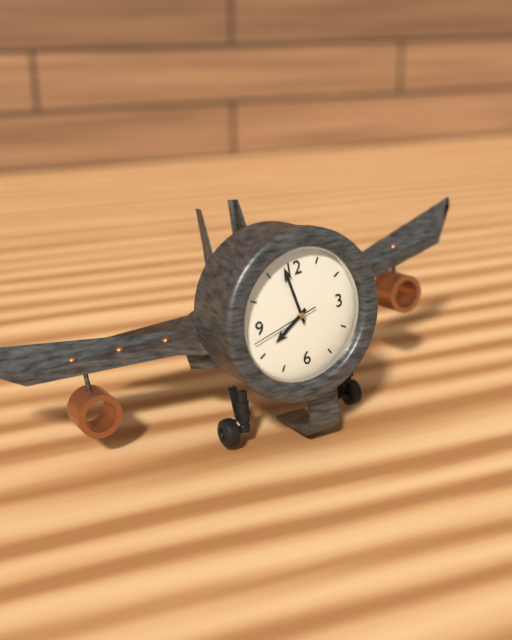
7:58:43
